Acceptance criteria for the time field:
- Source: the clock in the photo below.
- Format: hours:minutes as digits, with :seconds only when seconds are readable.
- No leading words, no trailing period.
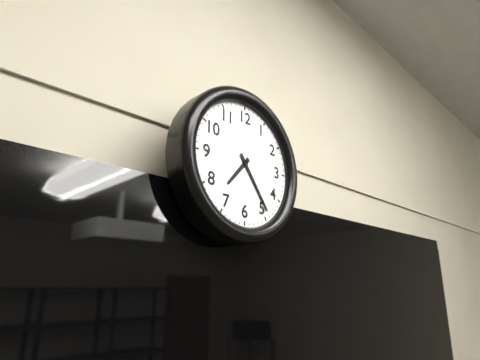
7:24
